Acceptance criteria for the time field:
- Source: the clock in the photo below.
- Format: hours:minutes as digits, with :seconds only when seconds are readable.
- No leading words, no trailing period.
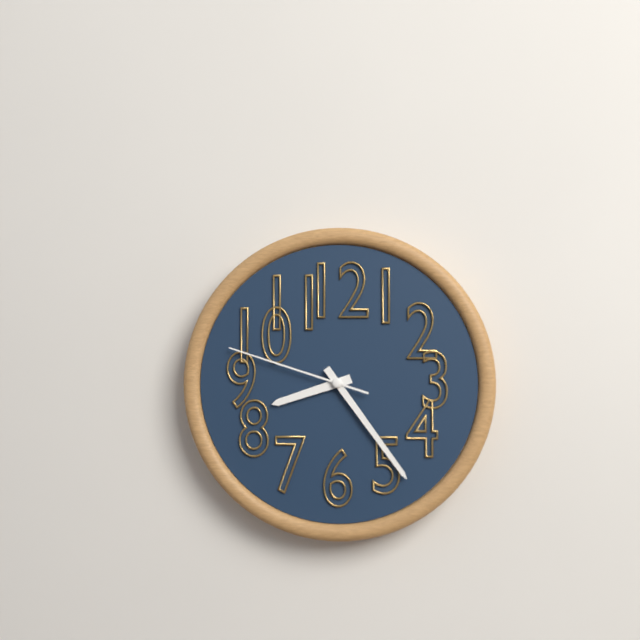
8:24:48
